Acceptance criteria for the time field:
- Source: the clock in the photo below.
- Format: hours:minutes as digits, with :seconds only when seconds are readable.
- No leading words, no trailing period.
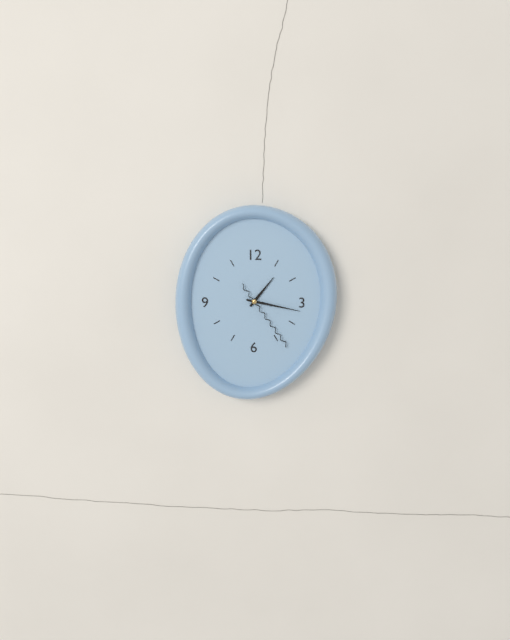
1:17:24
